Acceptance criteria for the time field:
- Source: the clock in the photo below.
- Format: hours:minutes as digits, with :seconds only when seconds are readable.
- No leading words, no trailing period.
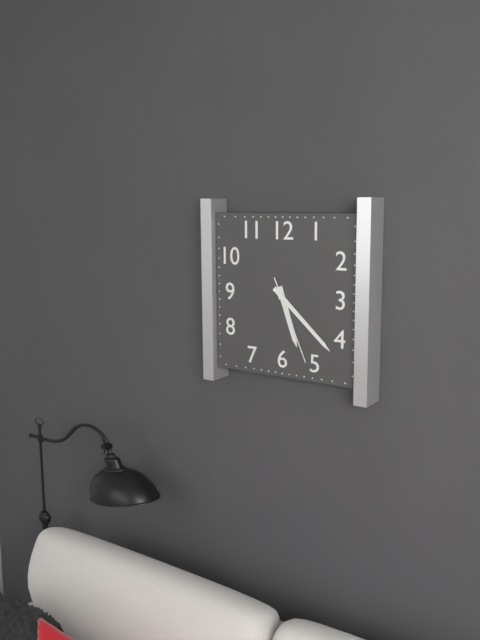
5:22:26
